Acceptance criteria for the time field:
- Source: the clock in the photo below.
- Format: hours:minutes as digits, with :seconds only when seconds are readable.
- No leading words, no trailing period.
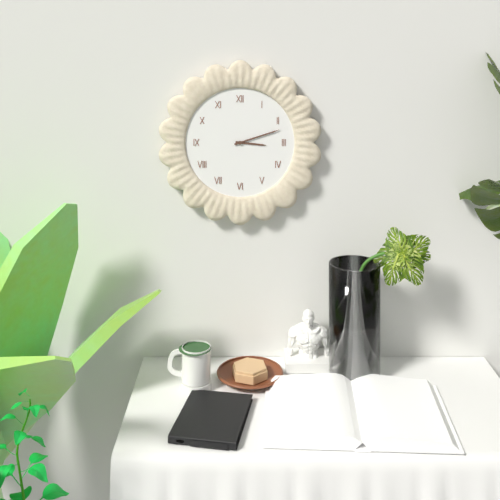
3:12
